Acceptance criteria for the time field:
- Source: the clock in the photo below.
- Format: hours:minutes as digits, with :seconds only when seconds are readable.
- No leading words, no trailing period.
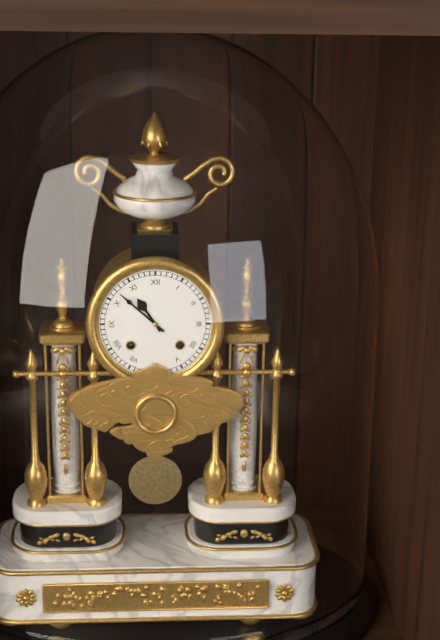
10:52
